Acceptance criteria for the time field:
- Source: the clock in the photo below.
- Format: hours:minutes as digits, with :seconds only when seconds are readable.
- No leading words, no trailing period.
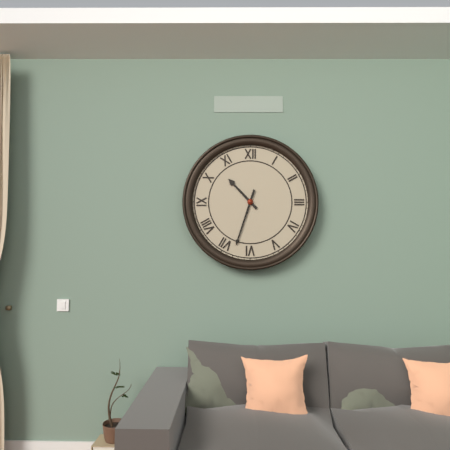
10:33
